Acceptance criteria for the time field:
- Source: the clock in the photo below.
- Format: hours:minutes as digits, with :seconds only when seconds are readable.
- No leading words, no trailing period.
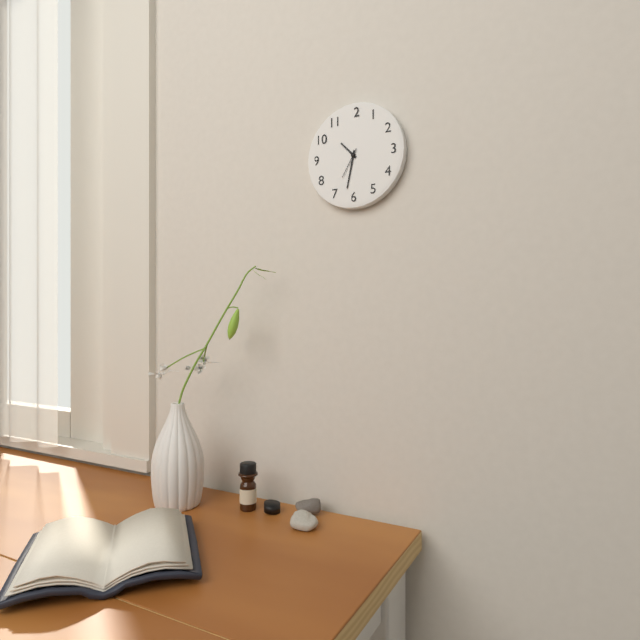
10:32
